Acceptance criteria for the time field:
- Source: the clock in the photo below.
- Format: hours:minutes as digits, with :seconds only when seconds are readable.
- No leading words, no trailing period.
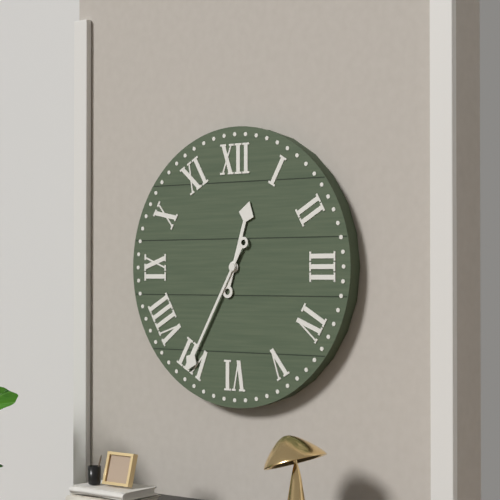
12:35
